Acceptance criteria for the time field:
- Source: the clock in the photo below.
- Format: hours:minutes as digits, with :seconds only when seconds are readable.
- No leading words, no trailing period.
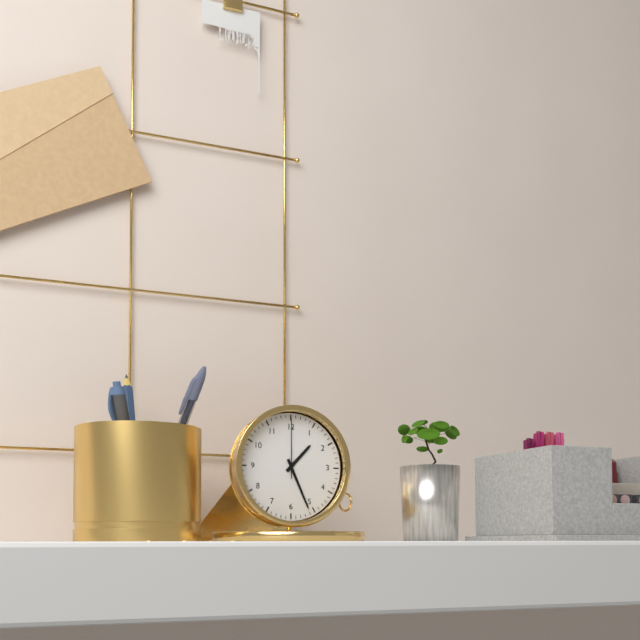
1:26:00
